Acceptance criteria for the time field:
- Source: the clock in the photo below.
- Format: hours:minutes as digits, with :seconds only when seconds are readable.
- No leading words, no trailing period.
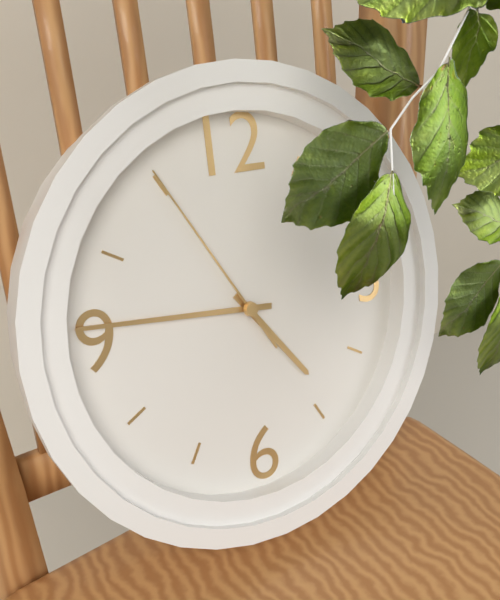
4:46:55
